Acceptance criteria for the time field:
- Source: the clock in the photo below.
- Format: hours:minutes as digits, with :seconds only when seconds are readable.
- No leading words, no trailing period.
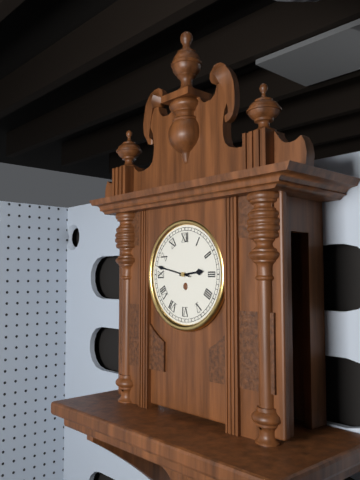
2:47
